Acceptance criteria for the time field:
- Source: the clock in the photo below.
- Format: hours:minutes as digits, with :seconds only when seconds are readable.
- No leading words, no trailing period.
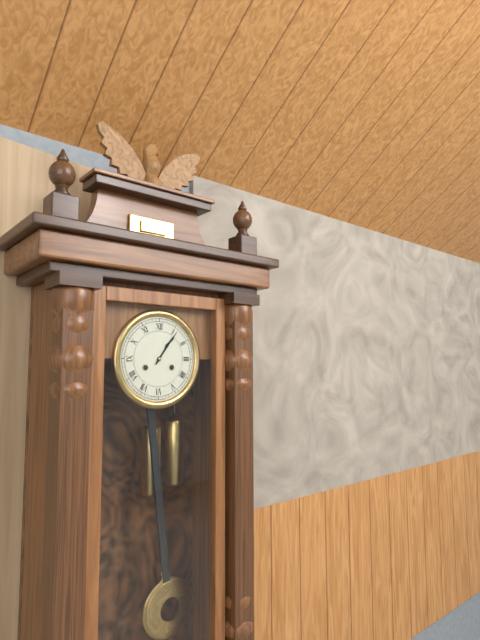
1:06
